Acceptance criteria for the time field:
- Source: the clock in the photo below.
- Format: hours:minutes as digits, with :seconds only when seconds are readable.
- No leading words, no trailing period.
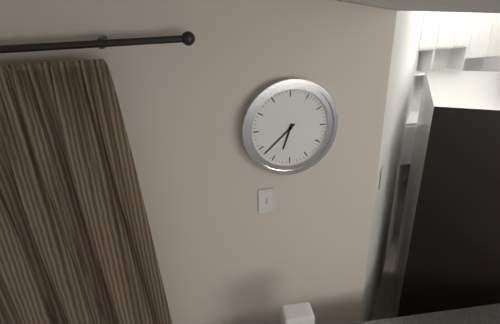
6:38
